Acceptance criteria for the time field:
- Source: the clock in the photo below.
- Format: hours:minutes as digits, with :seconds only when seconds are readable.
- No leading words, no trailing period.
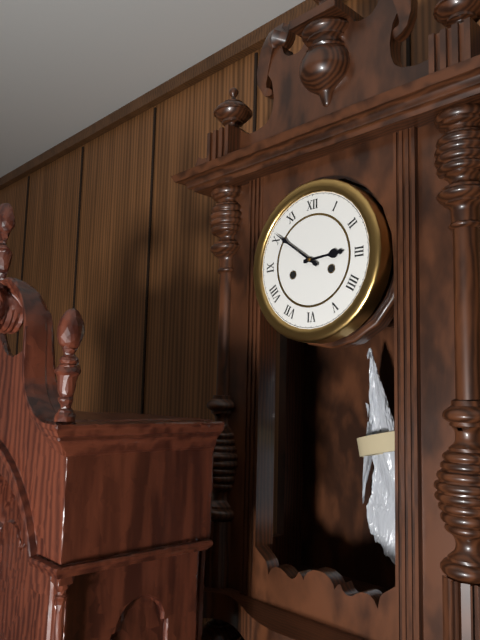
2:51
